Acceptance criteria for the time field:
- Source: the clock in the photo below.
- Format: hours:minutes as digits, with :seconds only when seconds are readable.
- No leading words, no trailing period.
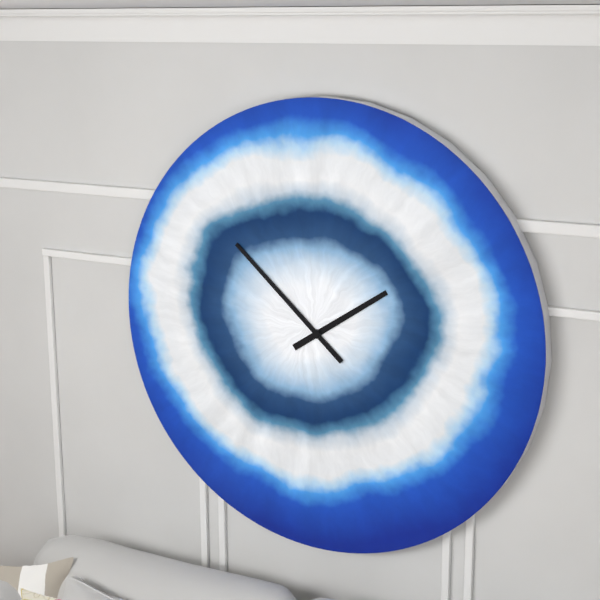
1:52
